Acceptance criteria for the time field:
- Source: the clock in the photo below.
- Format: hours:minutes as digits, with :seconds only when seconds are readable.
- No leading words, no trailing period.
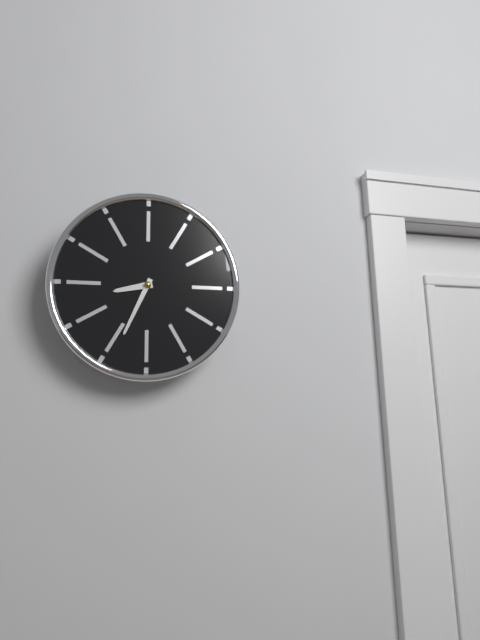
8:34
